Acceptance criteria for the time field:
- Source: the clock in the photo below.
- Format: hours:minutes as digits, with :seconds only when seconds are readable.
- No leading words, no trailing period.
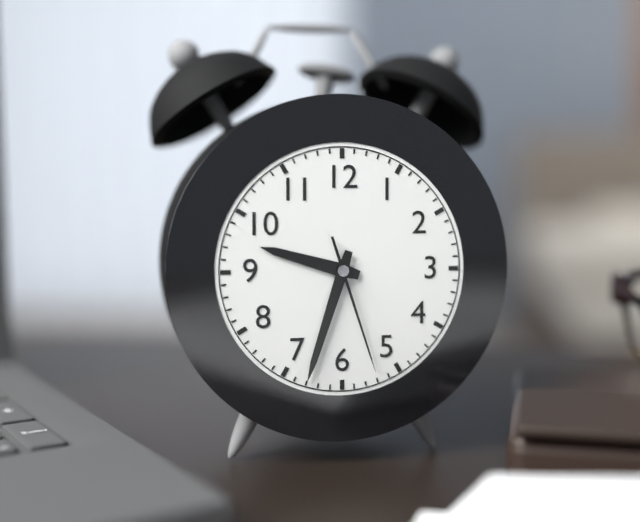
9:33:27
